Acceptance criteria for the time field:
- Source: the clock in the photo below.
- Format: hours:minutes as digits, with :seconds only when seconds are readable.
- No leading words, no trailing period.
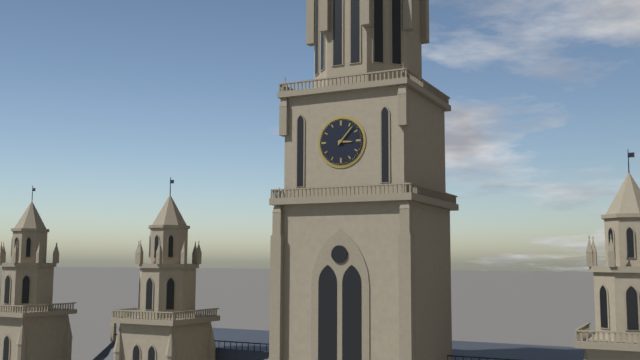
3:07
